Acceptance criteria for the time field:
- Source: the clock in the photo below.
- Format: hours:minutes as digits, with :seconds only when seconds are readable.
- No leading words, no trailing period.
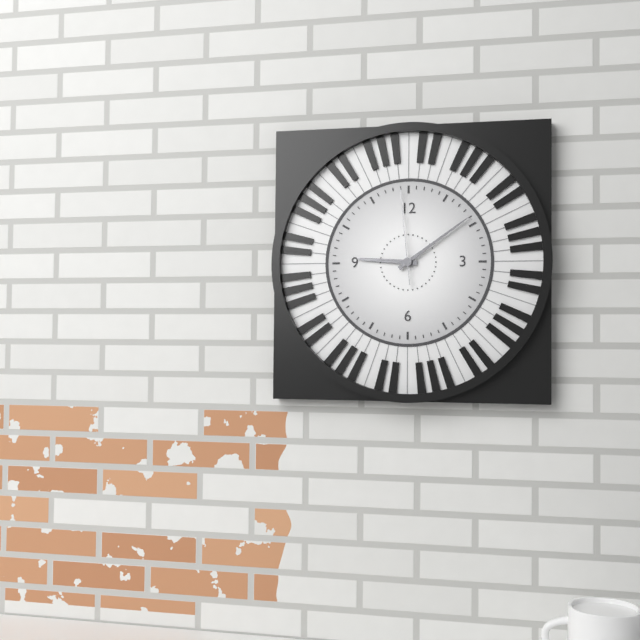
9:09:59
